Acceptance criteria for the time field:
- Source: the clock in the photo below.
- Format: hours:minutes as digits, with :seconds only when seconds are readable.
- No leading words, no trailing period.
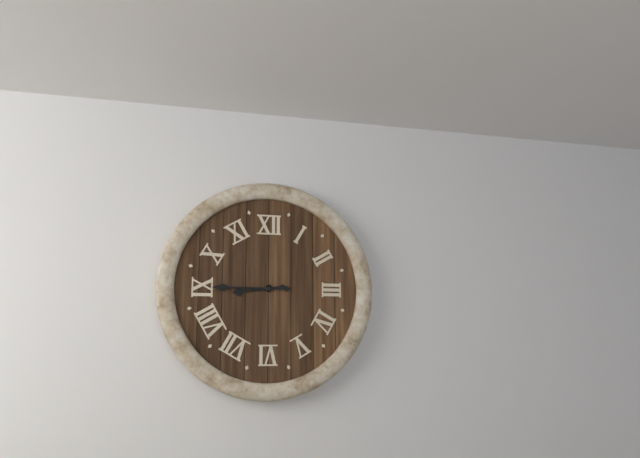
8:45
